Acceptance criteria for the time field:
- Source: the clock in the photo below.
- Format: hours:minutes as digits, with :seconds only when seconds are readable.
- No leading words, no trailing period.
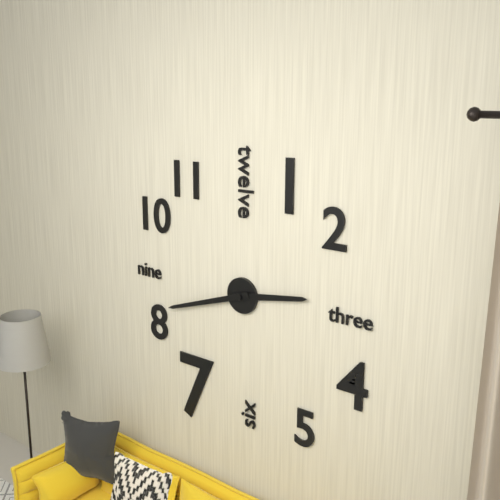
2:42
